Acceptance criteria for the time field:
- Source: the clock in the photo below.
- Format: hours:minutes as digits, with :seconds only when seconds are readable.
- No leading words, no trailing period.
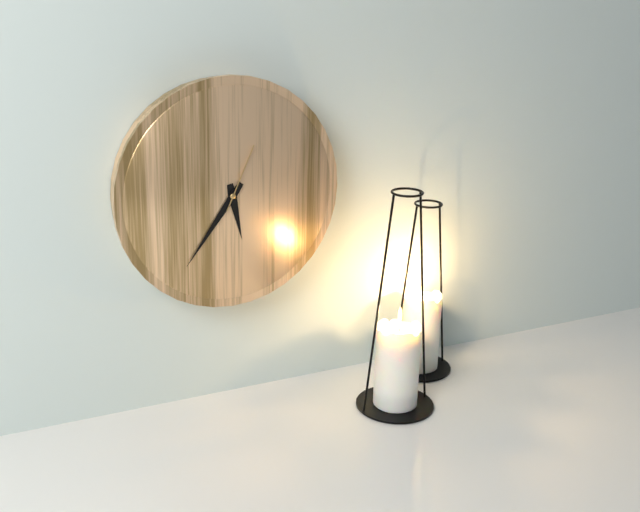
5:36:04
